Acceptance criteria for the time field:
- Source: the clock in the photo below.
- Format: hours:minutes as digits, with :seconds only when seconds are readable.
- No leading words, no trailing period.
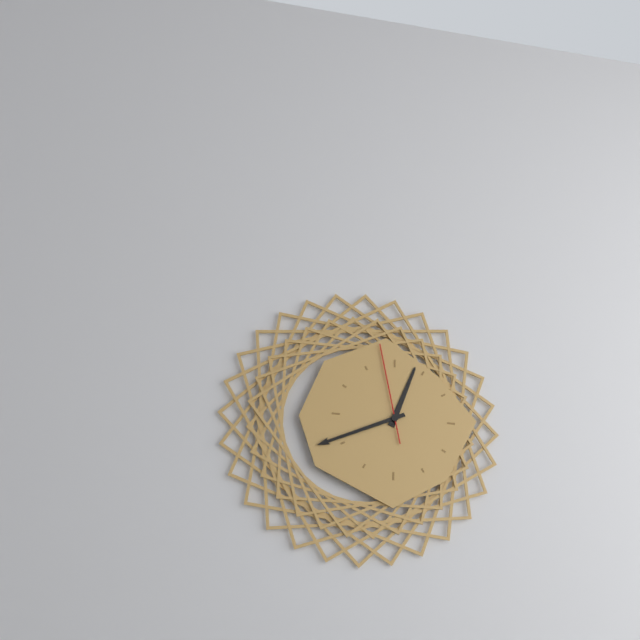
12:41:58
